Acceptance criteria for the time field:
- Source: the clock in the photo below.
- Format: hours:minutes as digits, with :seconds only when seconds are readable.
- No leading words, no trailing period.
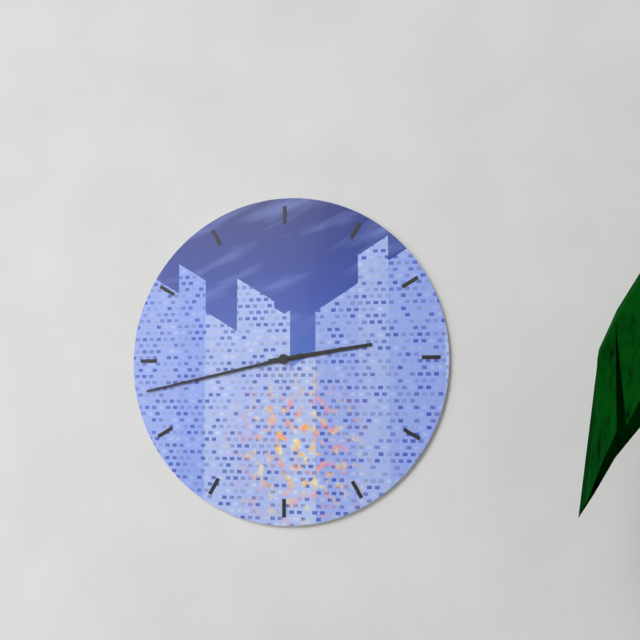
2:43
